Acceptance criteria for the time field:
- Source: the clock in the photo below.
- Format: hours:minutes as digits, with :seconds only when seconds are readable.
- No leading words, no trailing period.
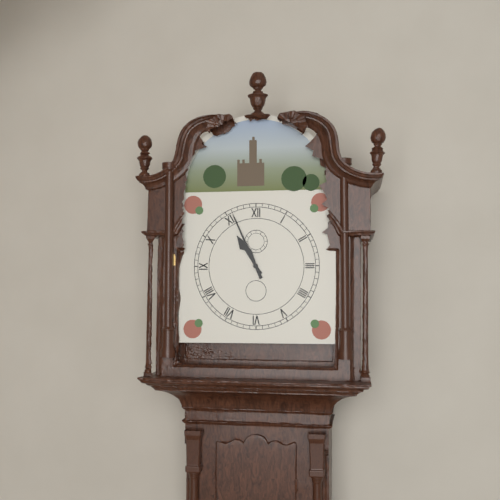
10:56
